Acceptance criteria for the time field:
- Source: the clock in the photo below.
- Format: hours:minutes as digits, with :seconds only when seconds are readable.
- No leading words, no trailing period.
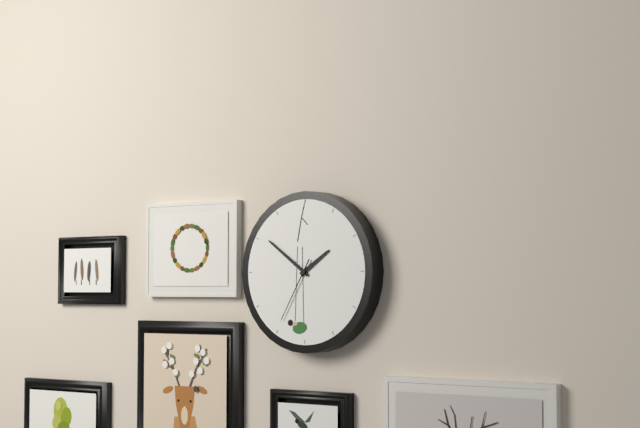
1:51:35
